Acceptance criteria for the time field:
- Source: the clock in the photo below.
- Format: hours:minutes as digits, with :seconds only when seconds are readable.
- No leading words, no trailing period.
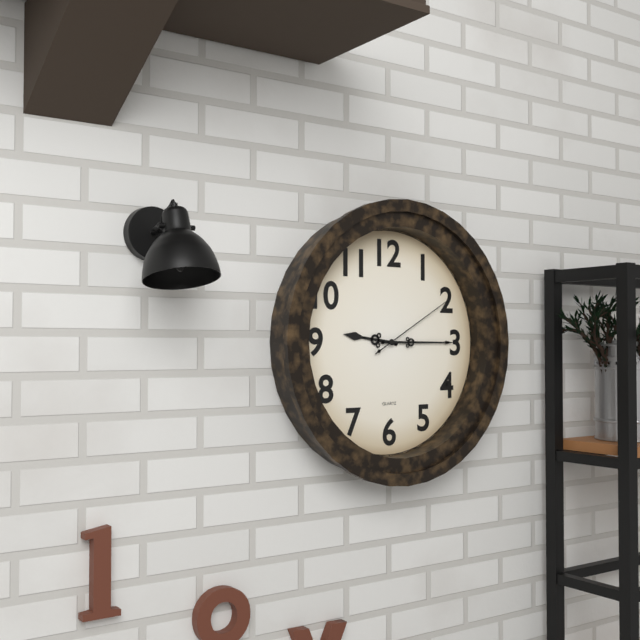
9:15:10
